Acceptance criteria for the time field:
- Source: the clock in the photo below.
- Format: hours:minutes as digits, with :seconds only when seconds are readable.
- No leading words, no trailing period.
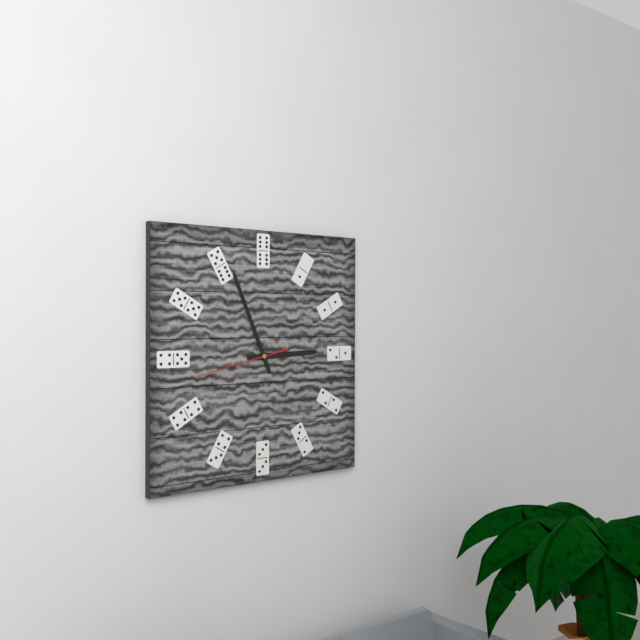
2:56:43
